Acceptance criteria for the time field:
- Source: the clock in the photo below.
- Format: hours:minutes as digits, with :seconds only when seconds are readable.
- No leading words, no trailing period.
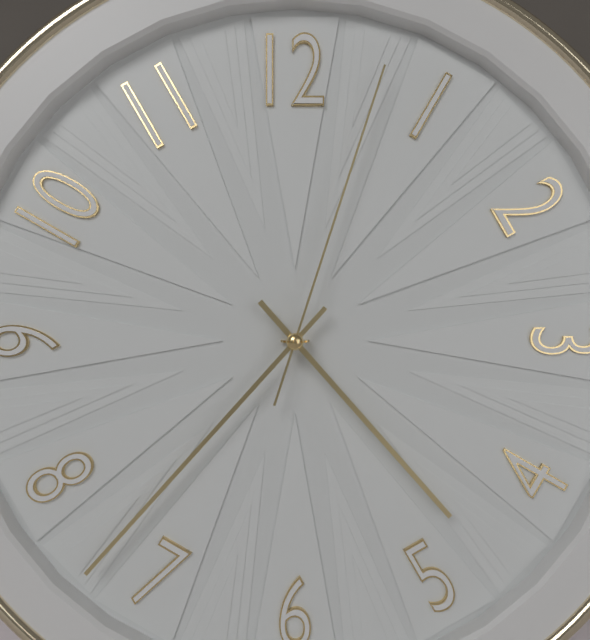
4:37:03
